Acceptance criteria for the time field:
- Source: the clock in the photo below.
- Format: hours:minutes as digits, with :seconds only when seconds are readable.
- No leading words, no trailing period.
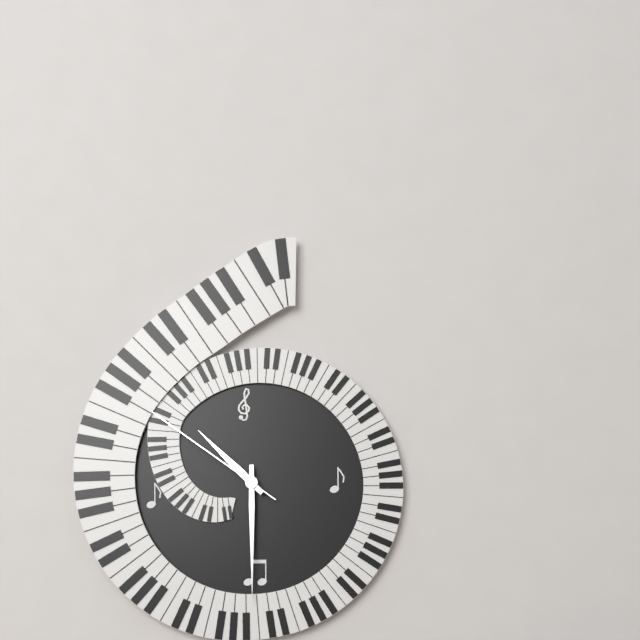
10:30:51
